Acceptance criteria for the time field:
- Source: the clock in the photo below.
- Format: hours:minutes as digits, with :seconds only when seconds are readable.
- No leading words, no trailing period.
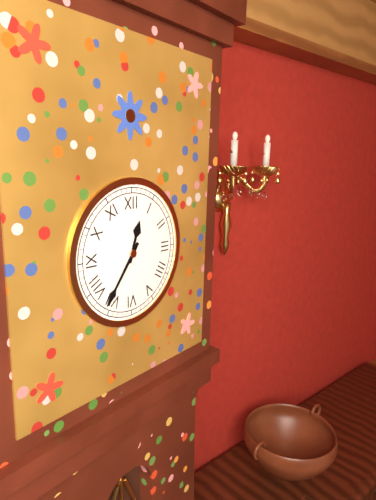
12:36
